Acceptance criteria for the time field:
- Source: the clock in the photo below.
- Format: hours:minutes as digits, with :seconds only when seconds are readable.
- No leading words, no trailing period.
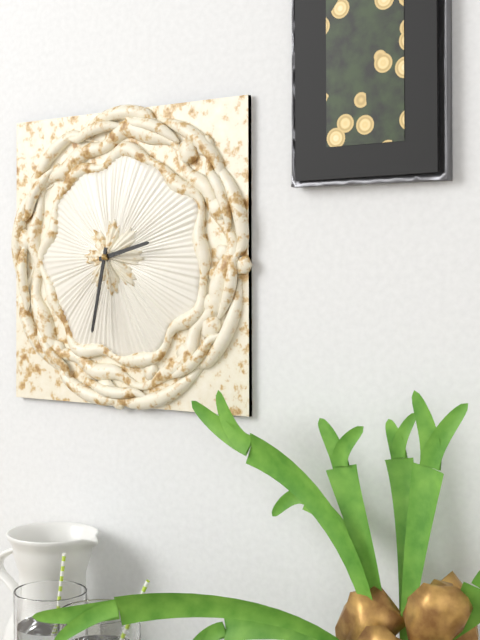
2:32
